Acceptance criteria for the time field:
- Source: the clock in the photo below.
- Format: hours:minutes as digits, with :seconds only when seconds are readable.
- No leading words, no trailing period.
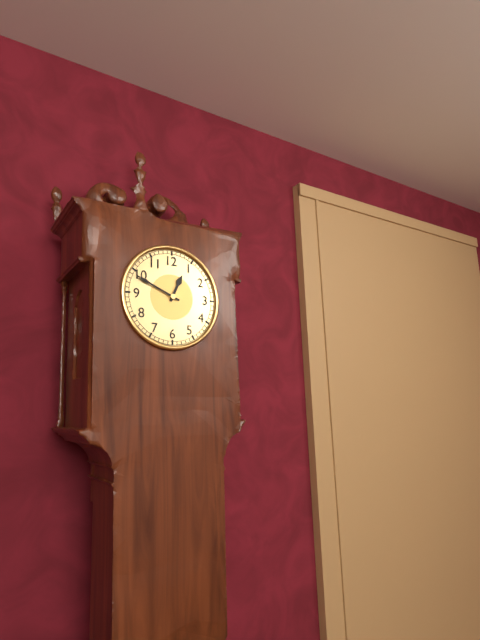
12:49
